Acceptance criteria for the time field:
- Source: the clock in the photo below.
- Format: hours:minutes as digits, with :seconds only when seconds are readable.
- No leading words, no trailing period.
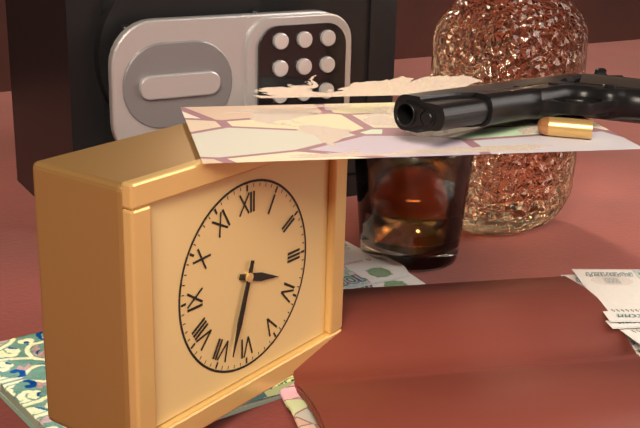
3:33
